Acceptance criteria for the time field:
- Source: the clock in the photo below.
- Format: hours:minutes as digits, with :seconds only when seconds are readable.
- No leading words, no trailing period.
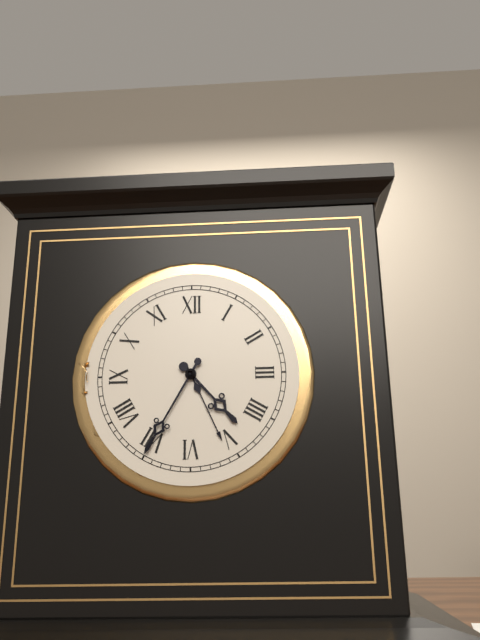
4:35
